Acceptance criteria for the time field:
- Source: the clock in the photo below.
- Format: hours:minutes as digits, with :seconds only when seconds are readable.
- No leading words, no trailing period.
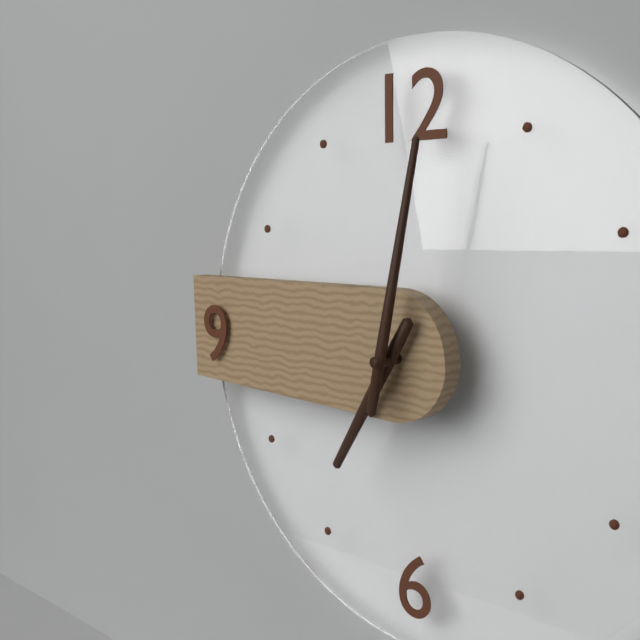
7:02
